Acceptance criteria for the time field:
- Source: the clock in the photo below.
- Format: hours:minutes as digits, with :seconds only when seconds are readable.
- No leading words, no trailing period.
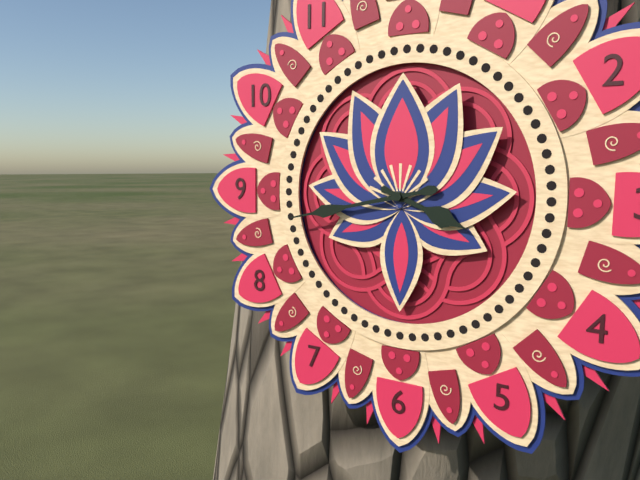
3:43
